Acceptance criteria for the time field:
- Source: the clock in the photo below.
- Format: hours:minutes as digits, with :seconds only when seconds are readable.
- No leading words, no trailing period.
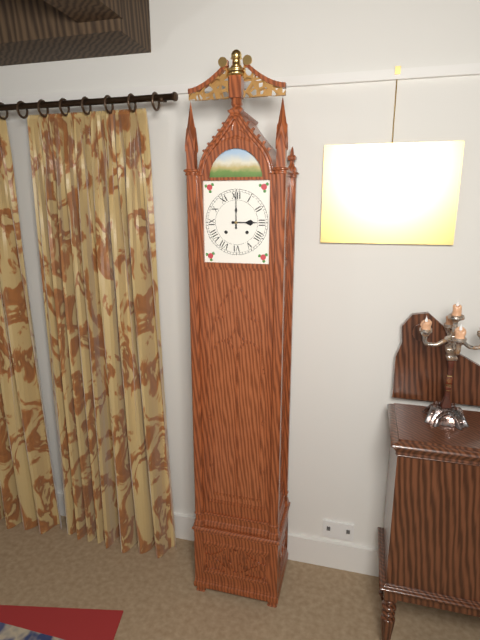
3:00
